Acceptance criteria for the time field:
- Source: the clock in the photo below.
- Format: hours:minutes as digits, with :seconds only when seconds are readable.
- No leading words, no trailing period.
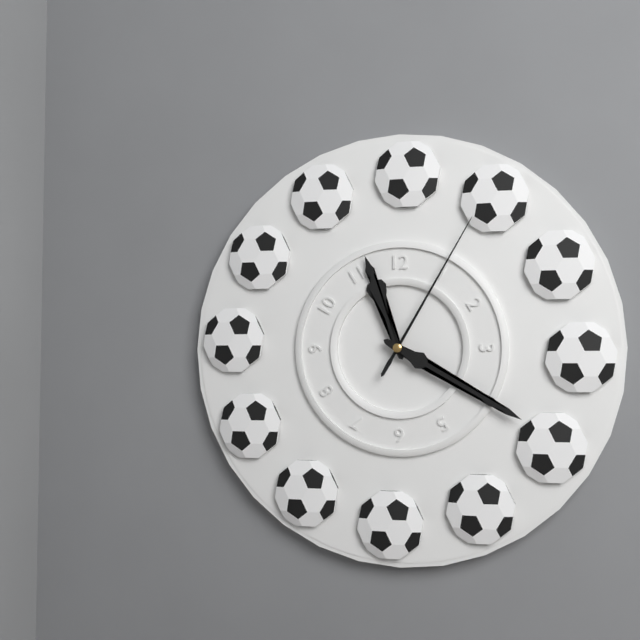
11:20:05
